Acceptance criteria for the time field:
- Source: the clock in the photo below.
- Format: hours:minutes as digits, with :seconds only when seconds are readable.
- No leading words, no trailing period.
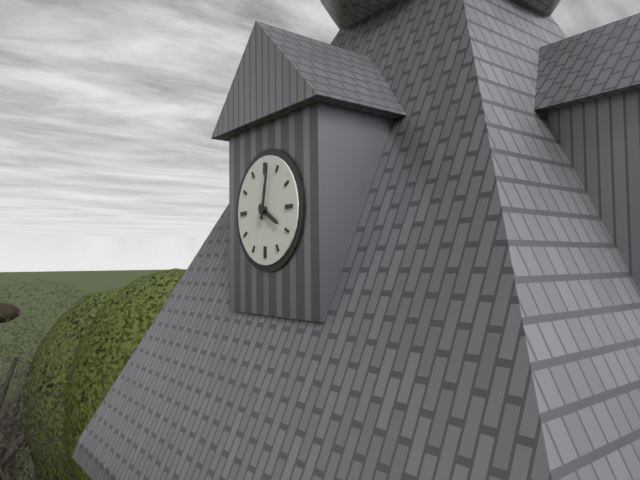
4:02
